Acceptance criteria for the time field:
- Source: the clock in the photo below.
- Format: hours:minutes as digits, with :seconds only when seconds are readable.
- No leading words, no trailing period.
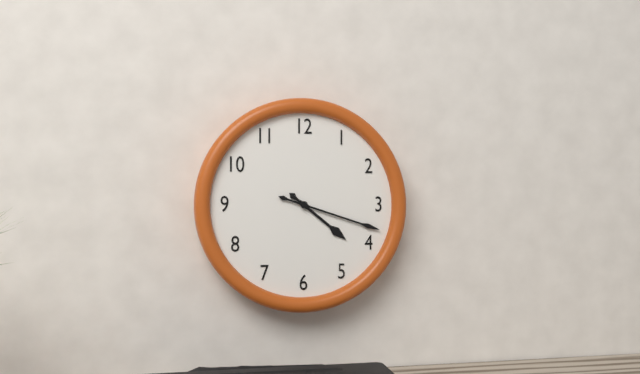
4:18
